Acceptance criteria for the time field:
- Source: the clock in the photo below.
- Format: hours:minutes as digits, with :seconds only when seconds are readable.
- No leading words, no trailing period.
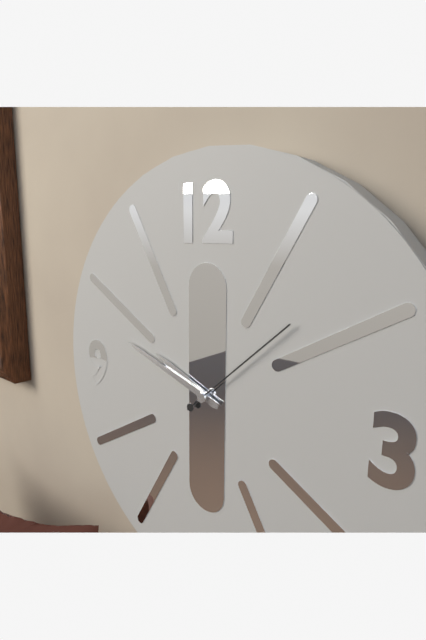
9:48:08
